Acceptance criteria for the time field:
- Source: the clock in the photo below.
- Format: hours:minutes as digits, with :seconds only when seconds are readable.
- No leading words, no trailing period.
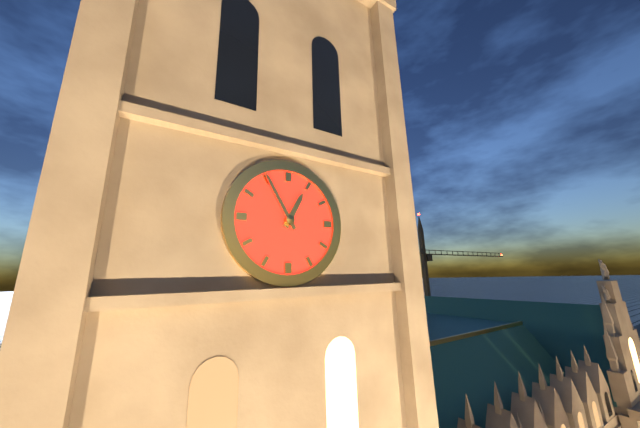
12:55
